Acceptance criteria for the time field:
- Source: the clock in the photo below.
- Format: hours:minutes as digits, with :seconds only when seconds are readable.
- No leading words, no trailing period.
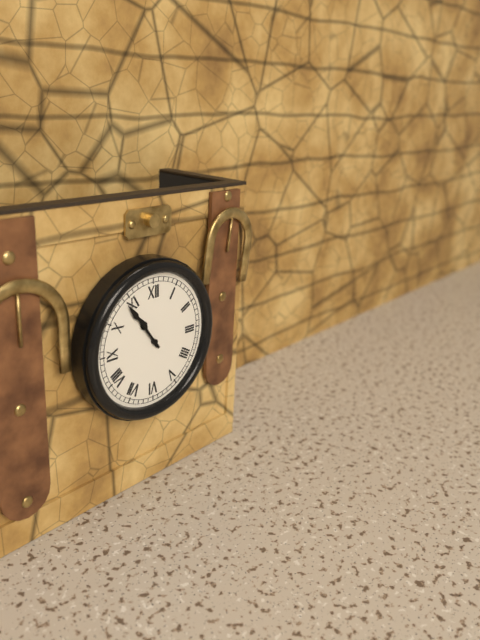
10:54
